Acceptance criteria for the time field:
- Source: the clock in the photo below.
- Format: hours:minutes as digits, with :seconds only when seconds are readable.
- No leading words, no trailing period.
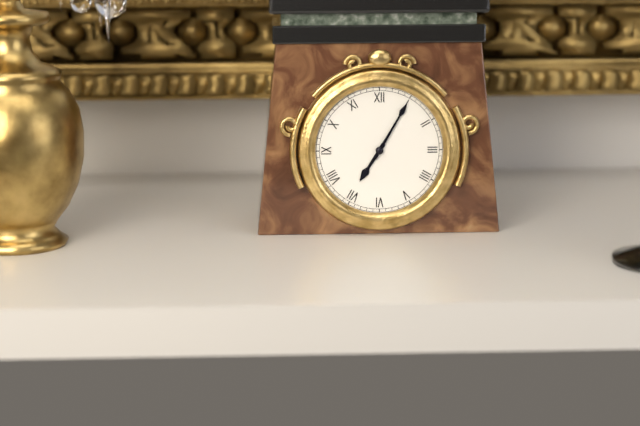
7:05
